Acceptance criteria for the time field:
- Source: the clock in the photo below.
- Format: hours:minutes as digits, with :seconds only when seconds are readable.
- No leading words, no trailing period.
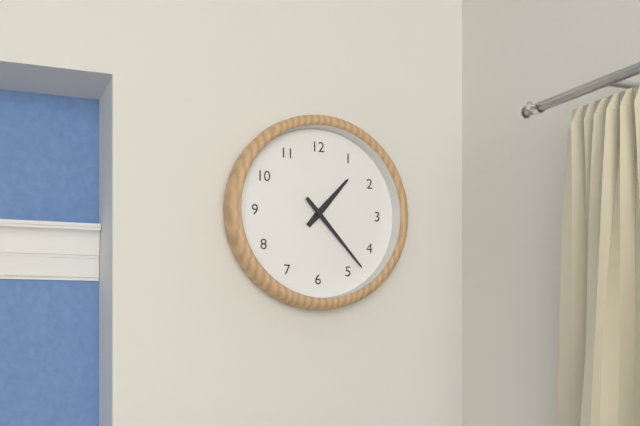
1:23
